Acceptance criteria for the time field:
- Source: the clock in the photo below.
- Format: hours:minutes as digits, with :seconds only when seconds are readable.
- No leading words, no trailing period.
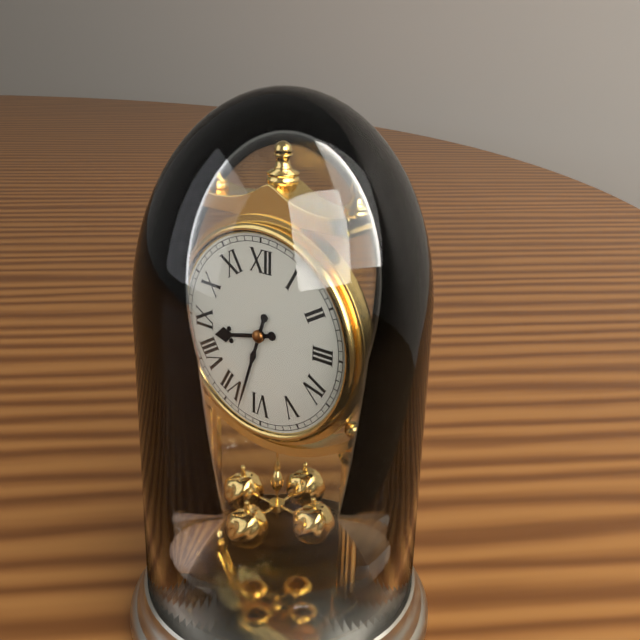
8:33
